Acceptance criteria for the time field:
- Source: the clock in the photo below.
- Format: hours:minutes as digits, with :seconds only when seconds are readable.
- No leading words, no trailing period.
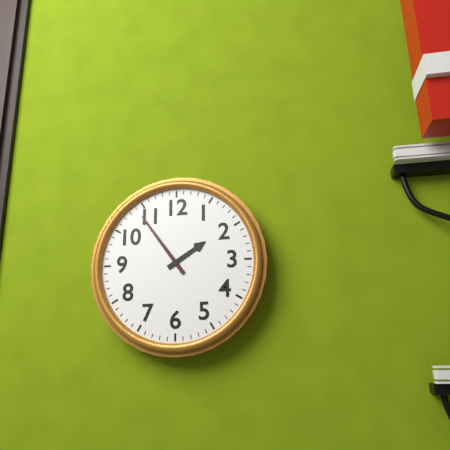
1:54
